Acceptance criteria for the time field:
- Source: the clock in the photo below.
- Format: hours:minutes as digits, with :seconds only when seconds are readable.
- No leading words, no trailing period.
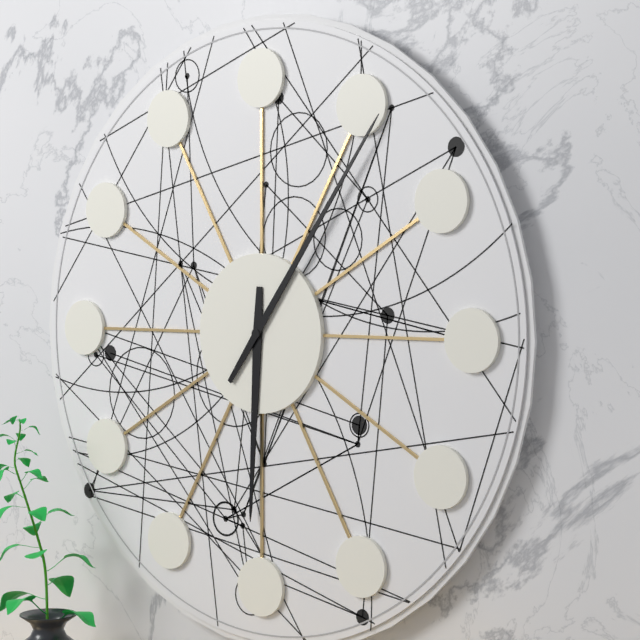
6:06
